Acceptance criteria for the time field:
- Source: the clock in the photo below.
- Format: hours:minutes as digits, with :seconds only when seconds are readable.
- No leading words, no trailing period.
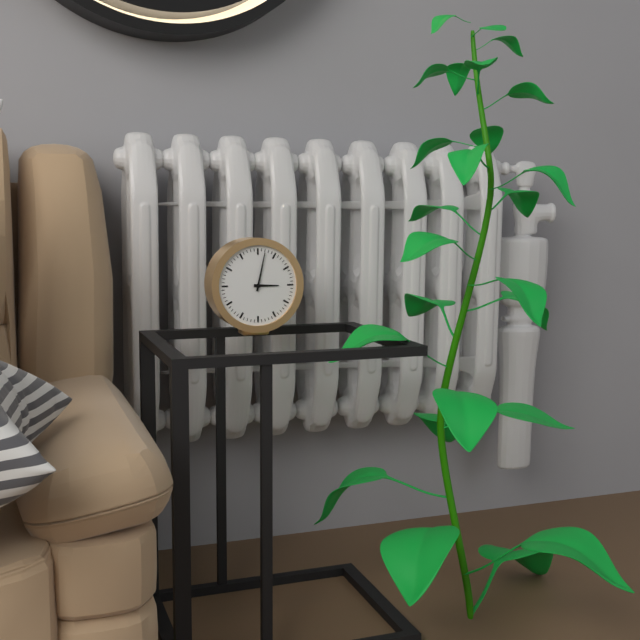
3:02
